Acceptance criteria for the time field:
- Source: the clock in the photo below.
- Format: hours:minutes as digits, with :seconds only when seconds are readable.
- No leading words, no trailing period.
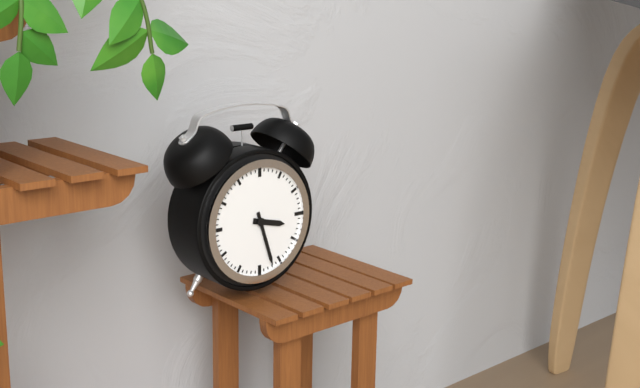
3:27
